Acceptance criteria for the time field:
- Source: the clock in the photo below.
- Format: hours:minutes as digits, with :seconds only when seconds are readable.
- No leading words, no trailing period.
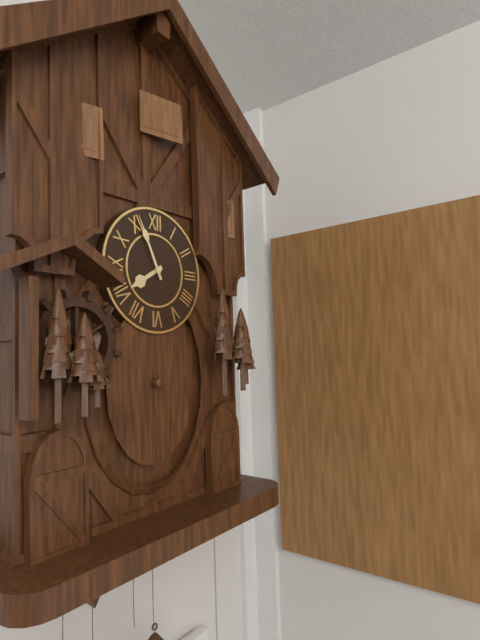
7:56
